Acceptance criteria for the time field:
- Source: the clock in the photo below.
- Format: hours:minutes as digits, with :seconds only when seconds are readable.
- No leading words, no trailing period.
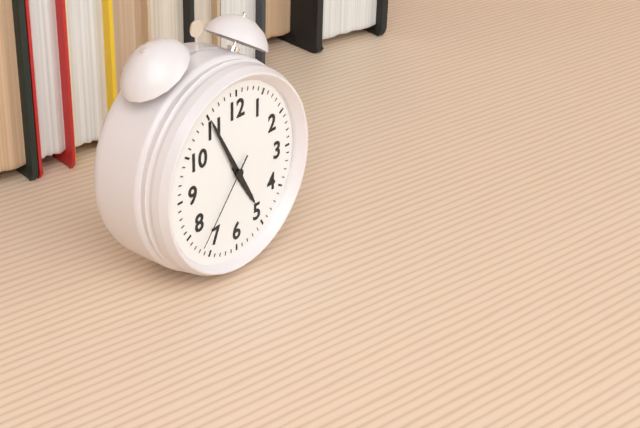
4:55:37
